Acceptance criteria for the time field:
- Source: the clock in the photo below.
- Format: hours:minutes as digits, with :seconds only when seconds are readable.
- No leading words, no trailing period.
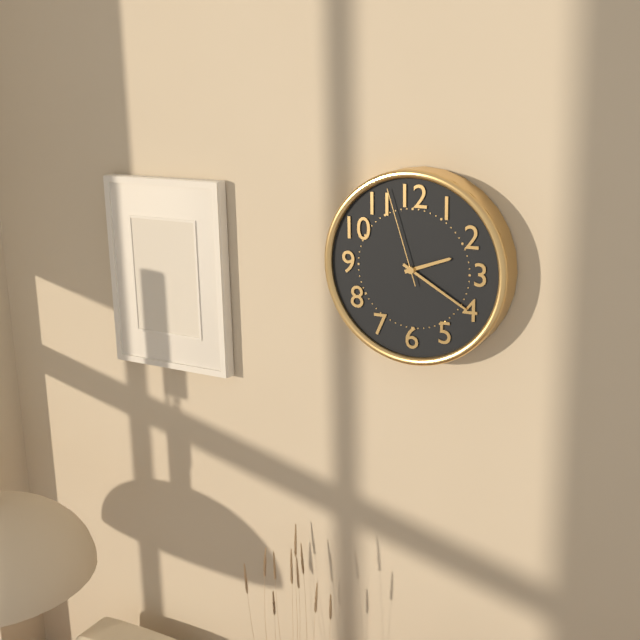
2:20:57
